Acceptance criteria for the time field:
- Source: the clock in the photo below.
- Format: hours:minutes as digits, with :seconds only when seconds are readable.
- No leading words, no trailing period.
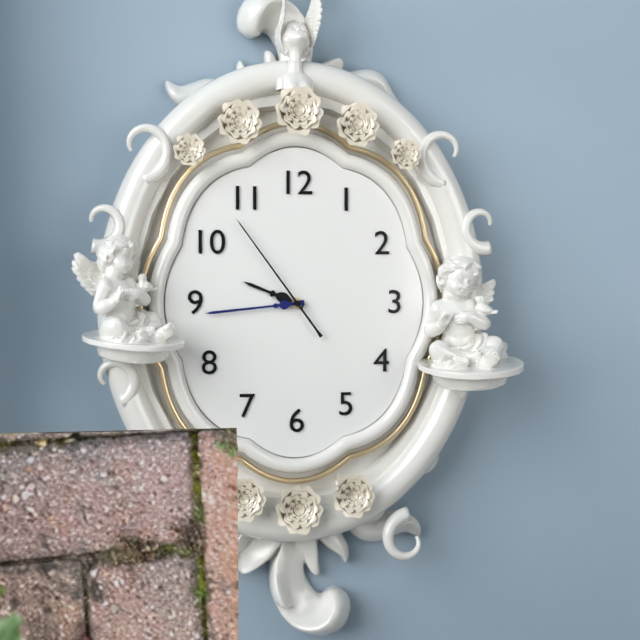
9:44:54
